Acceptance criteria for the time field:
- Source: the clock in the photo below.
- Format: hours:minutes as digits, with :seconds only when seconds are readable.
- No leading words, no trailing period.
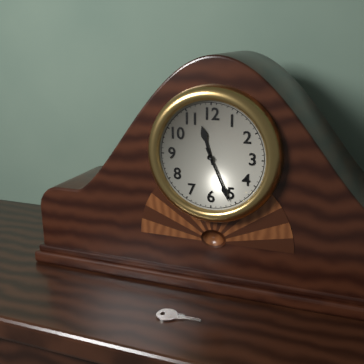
11:26
